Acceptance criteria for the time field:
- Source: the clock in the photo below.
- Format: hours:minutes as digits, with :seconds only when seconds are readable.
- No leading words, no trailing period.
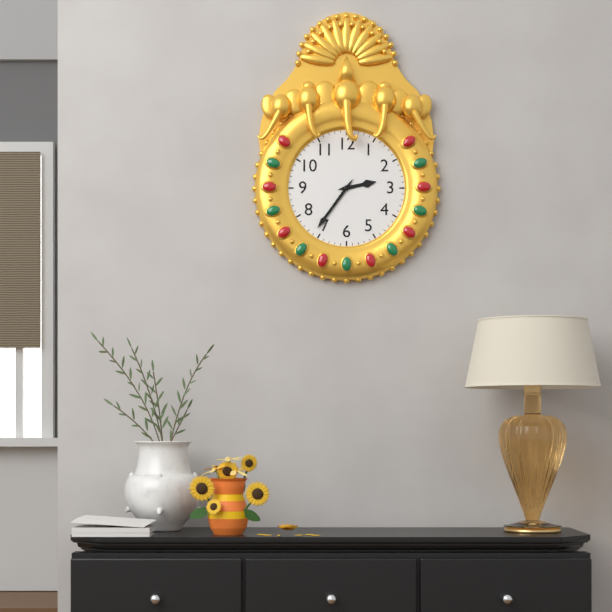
2:36
